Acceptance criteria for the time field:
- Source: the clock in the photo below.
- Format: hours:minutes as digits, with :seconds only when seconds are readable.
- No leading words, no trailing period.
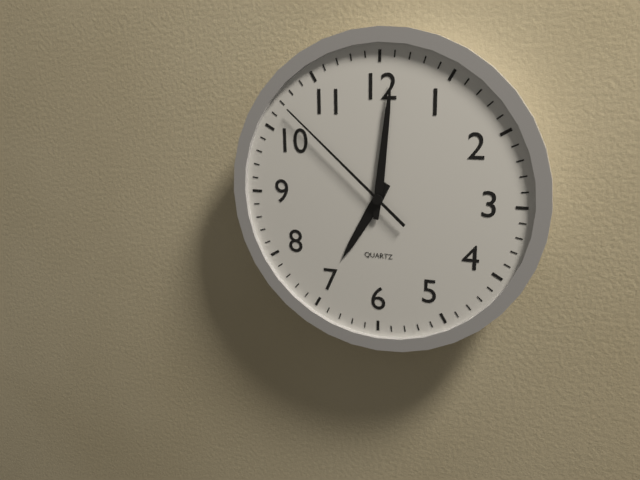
7:01:52
